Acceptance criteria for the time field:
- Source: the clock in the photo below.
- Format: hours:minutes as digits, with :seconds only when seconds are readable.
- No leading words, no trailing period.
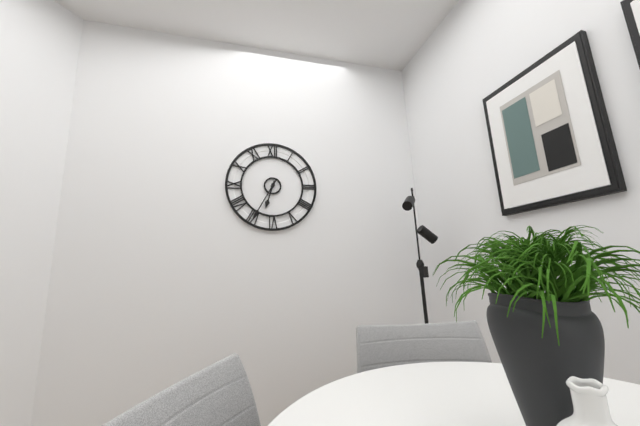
6:35
